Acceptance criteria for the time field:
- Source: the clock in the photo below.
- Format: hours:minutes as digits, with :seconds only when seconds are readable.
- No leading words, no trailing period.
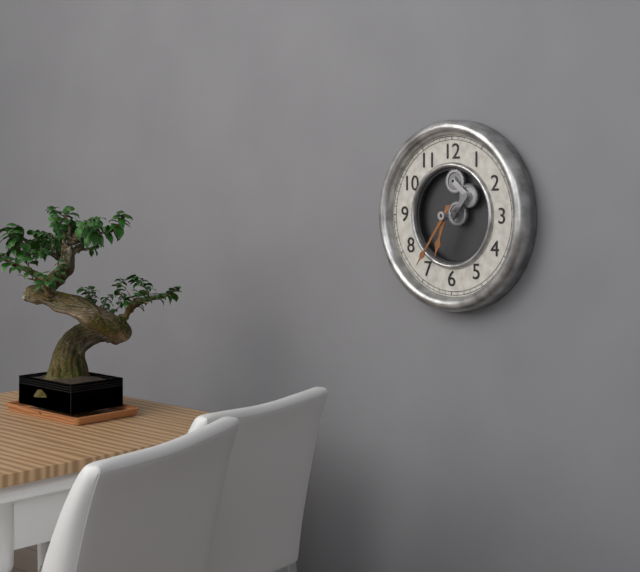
6:36
